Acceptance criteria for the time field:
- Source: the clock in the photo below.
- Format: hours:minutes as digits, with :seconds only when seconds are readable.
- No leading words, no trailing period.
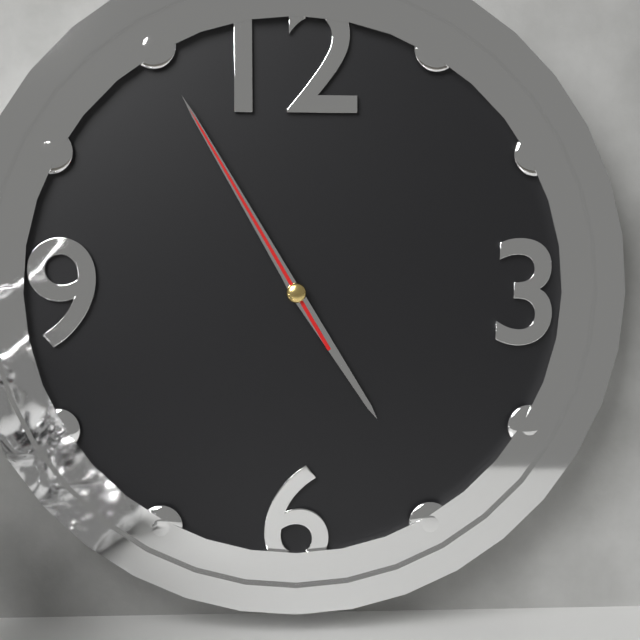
4:55:55
